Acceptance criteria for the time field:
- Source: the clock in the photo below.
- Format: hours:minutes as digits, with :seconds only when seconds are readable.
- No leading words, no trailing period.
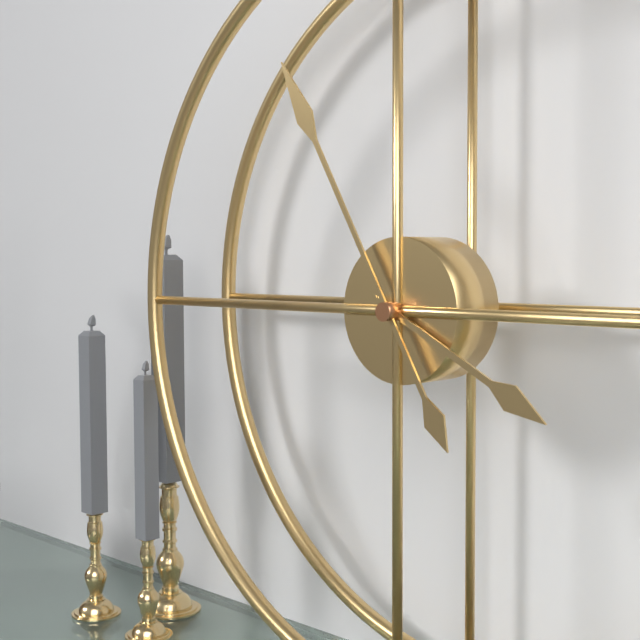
3:55
